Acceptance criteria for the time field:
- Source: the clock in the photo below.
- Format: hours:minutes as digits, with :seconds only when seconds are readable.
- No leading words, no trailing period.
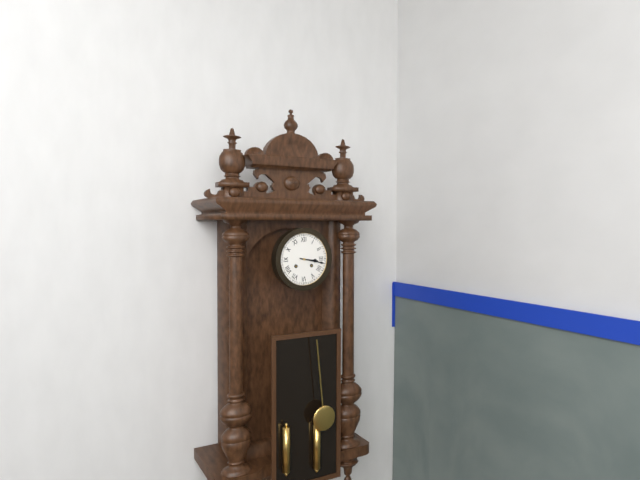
3:17
